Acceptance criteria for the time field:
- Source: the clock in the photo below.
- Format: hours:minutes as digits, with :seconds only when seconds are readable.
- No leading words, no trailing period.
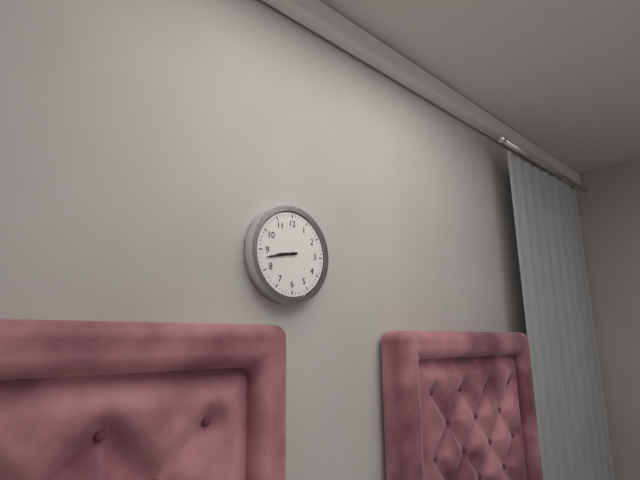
8:43
